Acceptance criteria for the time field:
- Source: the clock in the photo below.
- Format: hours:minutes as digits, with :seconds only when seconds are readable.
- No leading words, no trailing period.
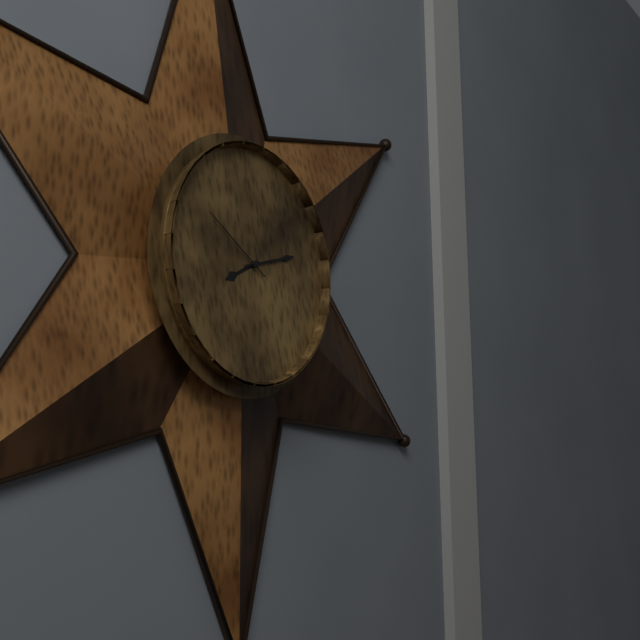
8:13:51
